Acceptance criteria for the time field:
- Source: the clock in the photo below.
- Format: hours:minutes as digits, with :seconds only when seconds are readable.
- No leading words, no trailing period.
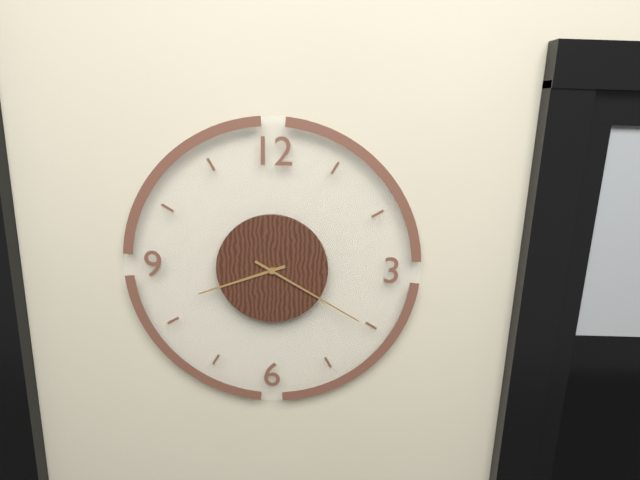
8:20
